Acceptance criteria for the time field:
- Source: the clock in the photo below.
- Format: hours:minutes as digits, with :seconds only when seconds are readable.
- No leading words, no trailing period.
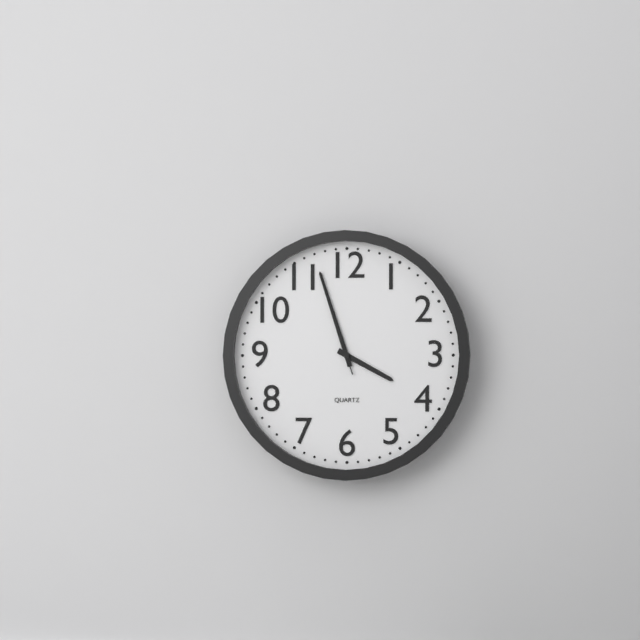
3:57:57
